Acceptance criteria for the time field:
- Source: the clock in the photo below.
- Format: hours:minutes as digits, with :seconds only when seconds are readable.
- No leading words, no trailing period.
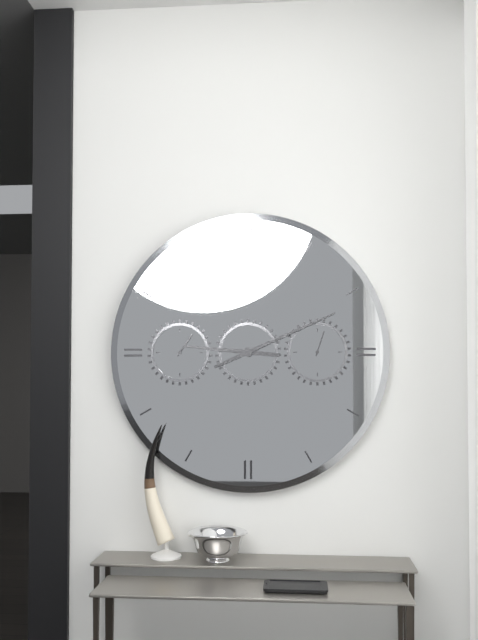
9:11
